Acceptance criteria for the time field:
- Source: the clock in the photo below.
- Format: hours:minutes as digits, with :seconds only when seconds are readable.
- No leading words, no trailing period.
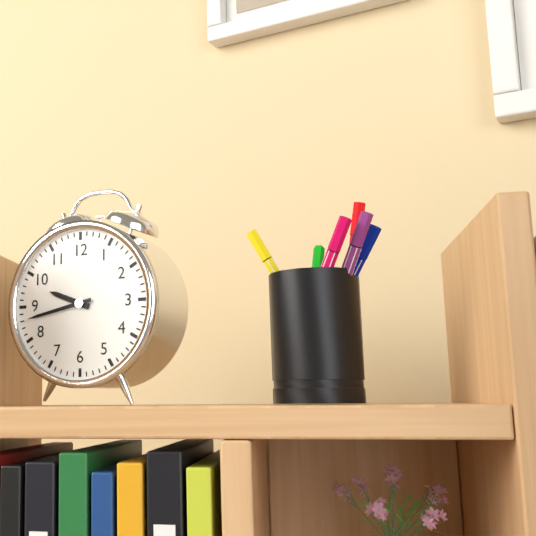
9:43
